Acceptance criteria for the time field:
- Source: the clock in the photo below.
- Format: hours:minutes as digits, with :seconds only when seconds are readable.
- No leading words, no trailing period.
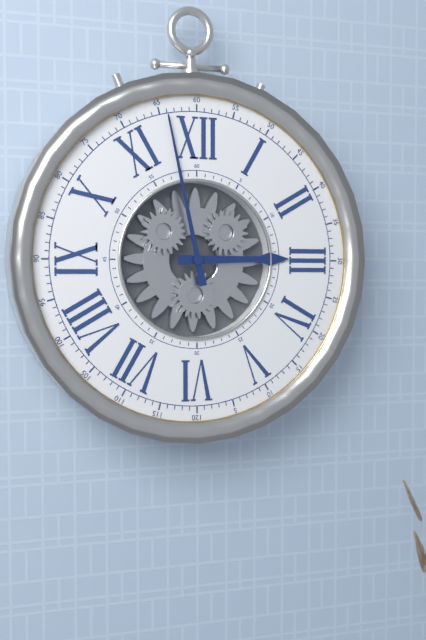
2:58
